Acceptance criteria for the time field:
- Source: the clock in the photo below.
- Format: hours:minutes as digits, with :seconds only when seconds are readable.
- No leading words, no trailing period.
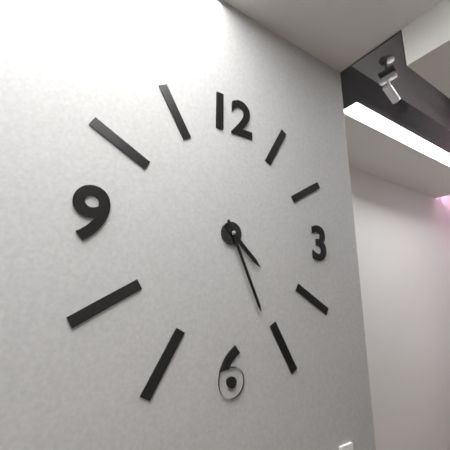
4:26
